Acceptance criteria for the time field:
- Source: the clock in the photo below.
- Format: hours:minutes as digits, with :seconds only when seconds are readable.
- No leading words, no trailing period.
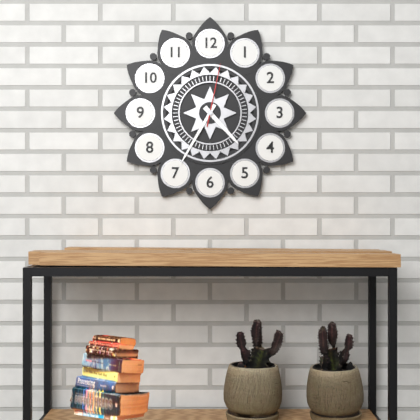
4:35:02
